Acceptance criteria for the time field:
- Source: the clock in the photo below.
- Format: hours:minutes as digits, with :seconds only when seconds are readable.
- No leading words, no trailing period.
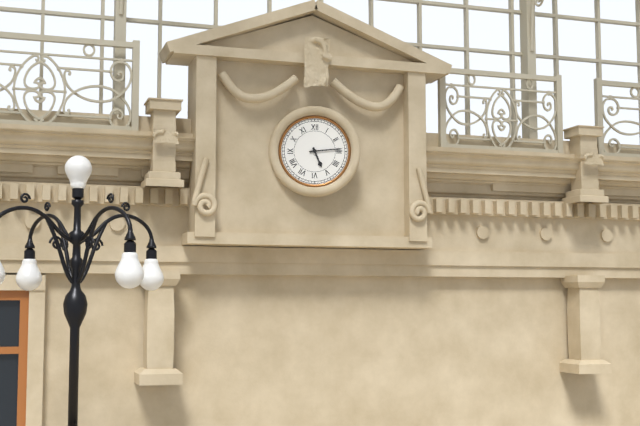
5:14
